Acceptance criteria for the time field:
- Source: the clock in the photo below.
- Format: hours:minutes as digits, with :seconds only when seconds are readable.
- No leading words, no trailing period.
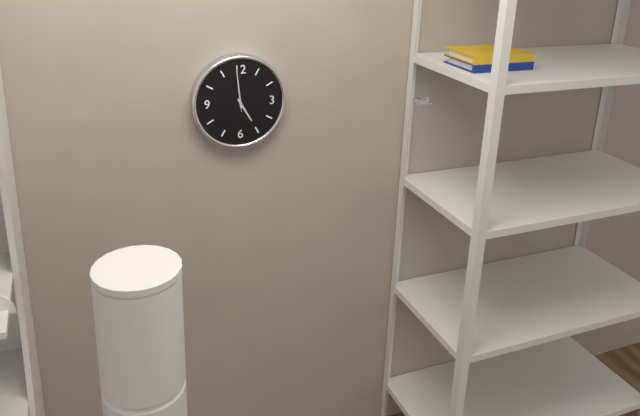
4:59
